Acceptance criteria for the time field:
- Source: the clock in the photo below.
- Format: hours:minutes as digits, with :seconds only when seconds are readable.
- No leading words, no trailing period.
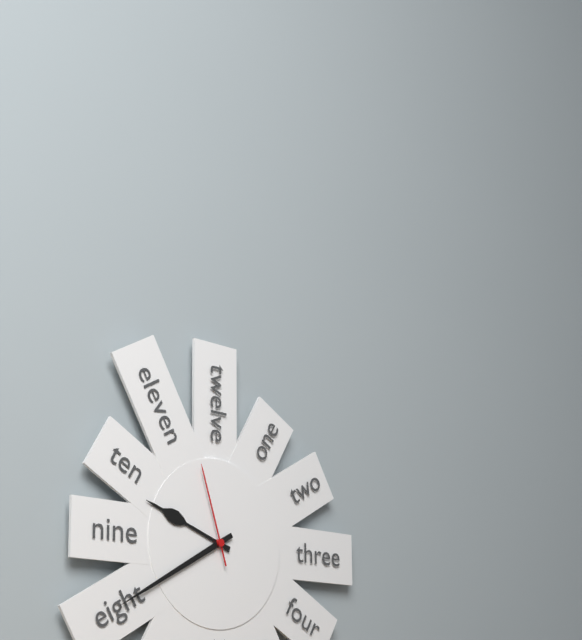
9:40:57
